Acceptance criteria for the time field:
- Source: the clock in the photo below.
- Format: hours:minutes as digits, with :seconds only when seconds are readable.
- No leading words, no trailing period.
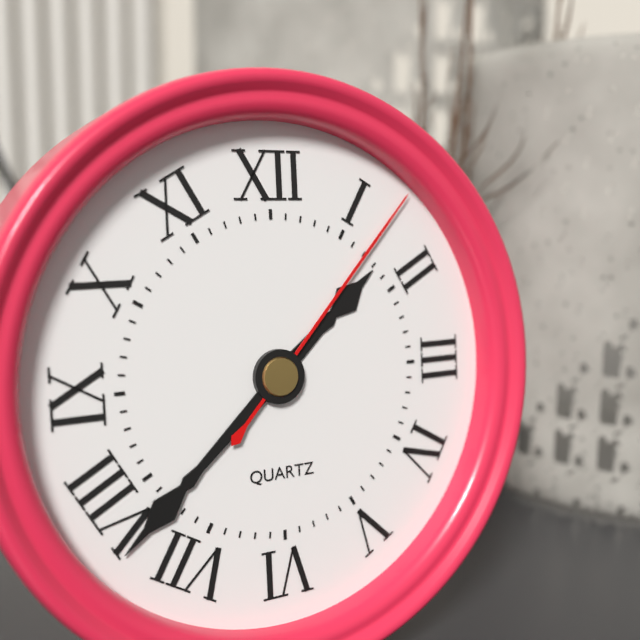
1:38:07
